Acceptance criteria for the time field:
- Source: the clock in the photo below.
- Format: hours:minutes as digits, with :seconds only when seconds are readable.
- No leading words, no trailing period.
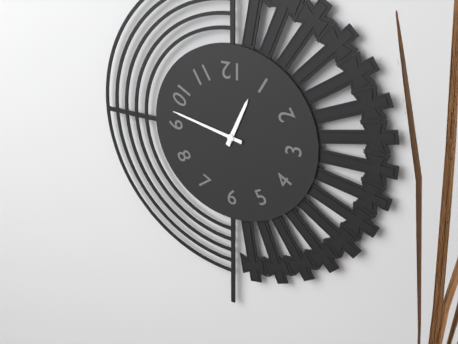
12:47
